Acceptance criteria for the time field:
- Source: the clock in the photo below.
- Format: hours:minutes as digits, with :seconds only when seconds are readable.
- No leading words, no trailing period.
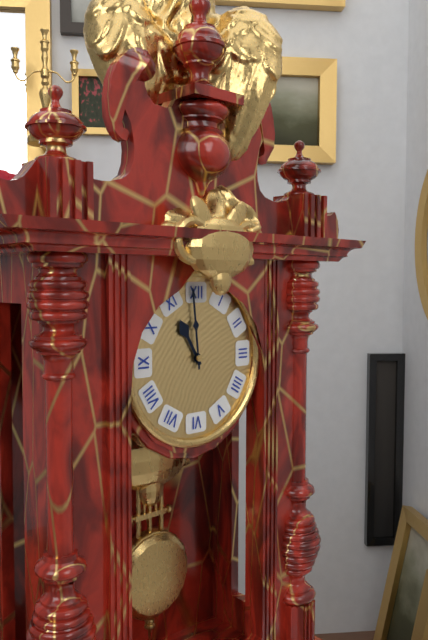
10:59
